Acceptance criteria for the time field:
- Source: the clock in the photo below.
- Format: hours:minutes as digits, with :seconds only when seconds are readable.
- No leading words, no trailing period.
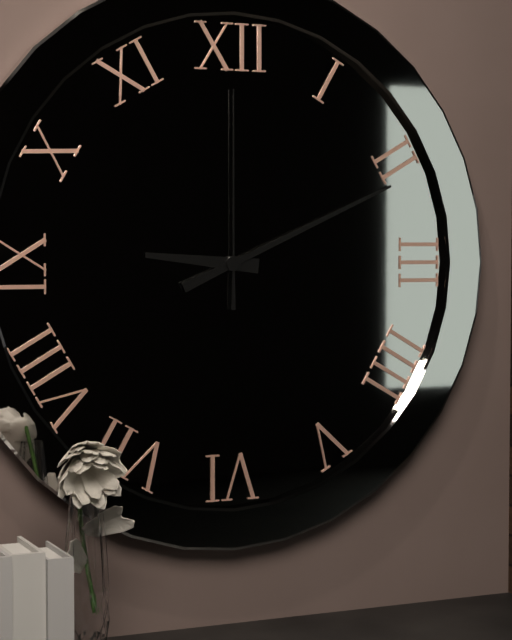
9:11:00
